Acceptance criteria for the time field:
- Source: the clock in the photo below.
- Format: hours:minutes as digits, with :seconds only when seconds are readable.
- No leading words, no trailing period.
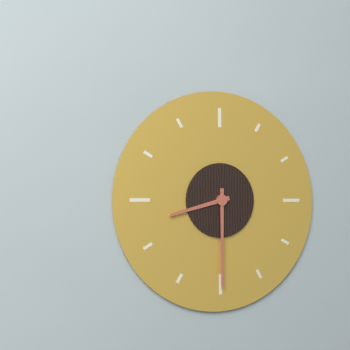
8:30
